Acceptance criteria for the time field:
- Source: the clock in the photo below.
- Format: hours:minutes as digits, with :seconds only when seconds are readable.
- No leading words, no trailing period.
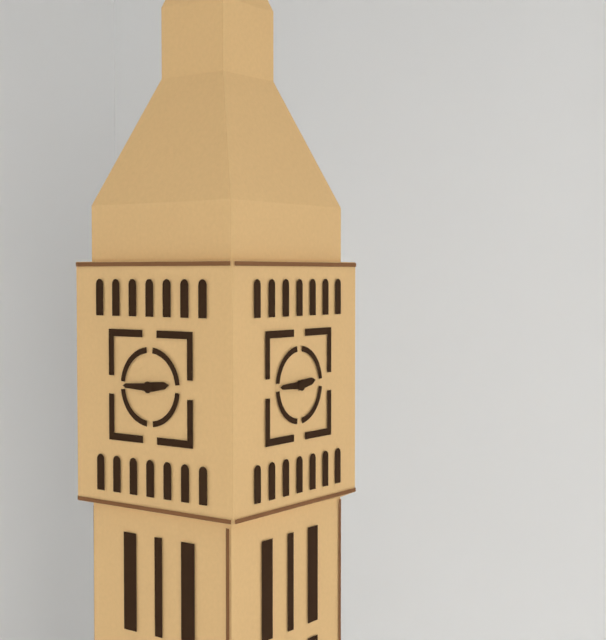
2:45
